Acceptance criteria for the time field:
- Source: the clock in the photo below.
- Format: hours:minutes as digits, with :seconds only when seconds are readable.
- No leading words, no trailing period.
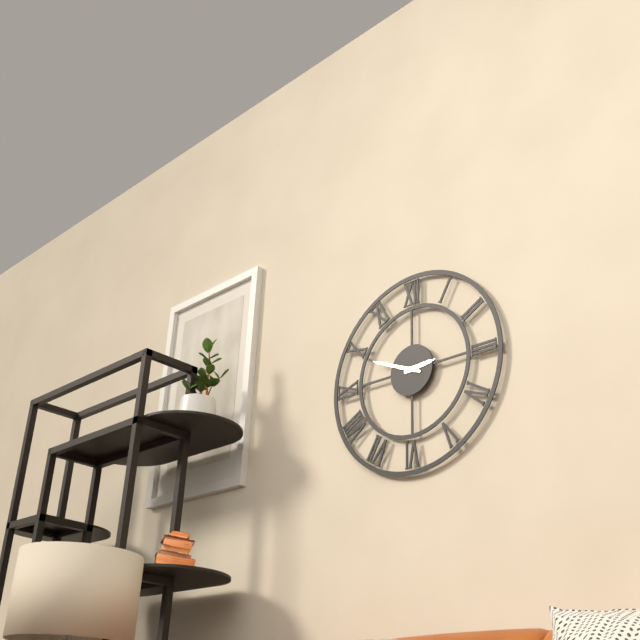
2:49
